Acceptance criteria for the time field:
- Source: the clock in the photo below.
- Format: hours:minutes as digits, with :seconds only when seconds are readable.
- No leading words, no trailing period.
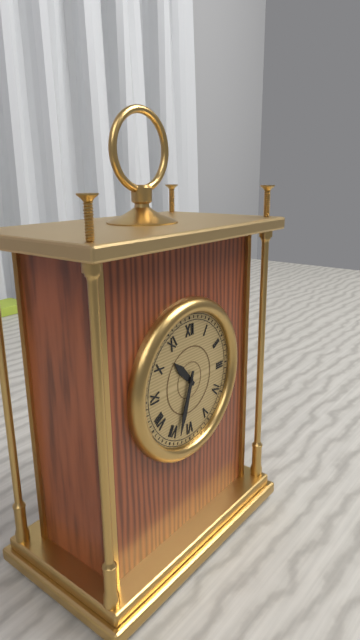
10:33
